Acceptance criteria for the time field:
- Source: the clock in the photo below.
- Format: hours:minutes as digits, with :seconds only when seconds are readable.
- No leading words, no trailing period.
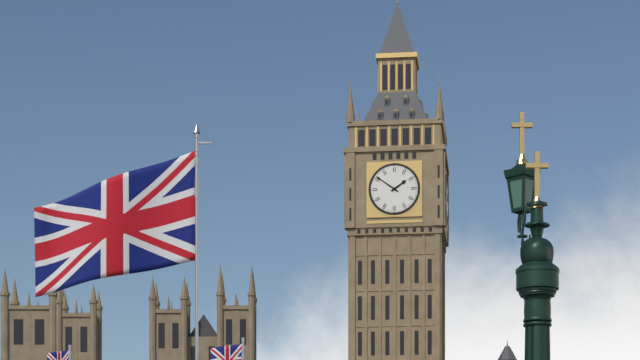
1:51
